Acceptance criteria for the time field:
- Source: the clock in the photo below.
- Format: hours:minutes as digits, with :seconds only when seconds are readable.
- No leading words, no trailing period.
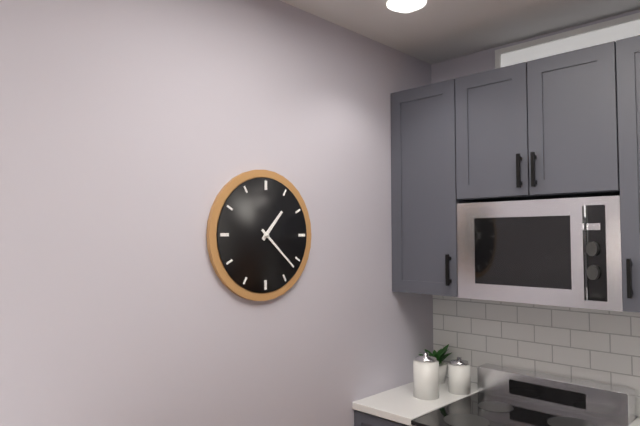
1:22
